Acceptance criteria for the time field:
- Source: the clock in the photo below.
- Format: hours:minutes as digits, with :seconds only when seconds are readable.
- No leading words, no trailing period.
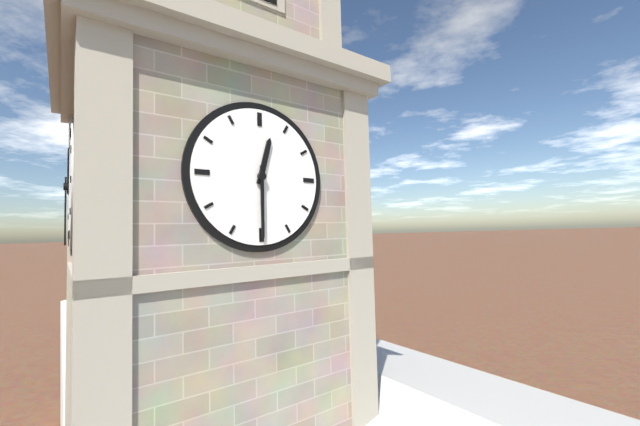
12:30
